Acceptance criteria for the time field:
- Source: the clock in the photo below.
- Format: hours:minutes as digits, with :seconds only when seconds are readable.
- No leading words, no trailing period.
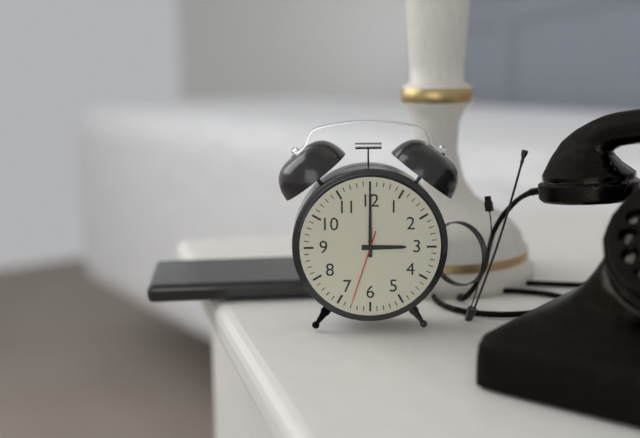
3:00:33
